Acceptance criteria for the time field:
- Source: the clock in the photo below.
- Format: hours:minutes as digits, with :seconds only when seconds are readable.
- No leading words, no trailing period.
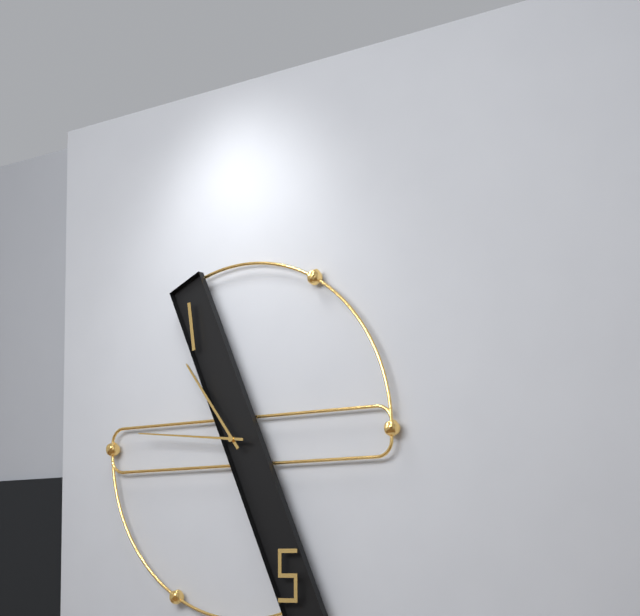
10:46
